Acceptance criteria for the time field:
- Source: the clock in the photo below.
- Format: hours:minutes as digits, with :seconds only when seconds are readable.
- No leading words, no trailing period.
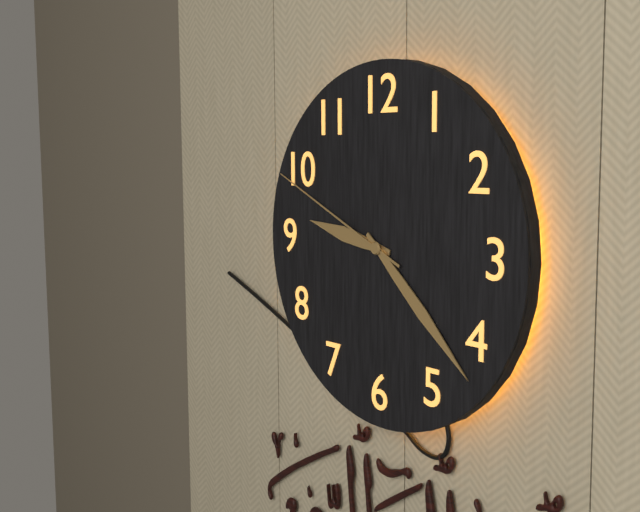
9:22:49
